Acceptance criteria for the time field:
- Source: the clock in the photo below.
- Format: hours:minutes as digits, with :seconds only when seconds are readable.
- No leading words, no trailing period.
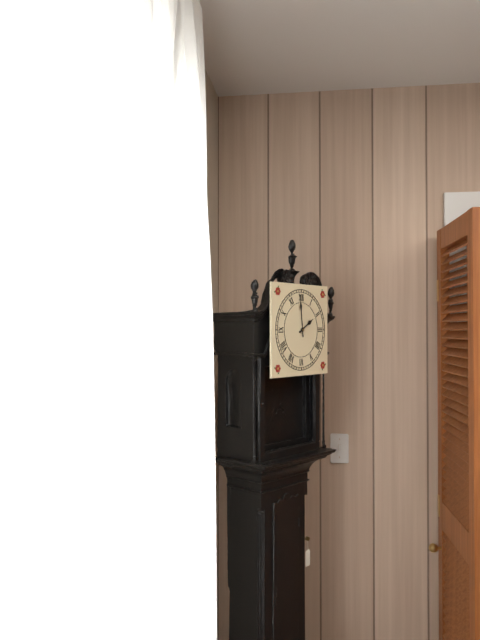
1:59
